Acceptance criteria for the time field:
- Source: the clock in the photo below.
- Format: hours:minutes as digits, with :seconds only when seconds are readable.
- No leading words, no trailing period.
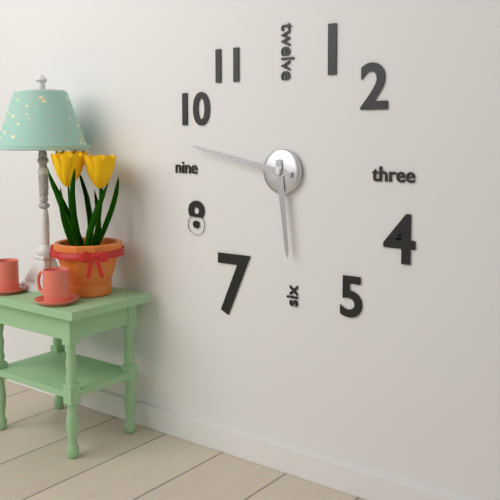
5:47
